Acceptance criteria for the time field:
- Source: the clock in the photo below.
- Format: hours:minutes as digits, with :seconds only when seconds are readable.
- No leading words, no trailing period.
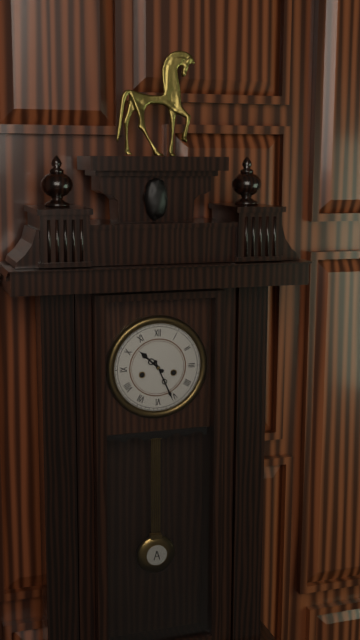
10:26
